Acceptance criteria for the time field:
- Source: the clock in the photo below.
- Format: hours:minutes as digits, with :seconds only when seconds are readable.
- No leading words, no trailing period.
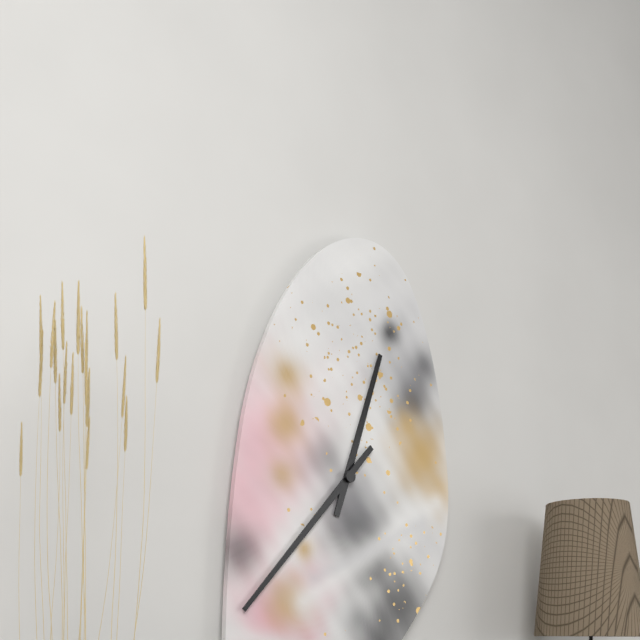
12:37
